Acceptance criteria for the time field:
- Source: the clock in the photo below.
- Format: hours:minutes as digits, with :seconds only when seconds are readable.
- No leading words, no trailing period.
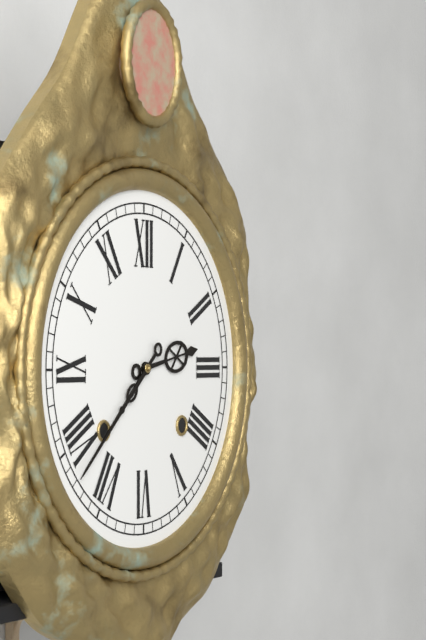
2:38
